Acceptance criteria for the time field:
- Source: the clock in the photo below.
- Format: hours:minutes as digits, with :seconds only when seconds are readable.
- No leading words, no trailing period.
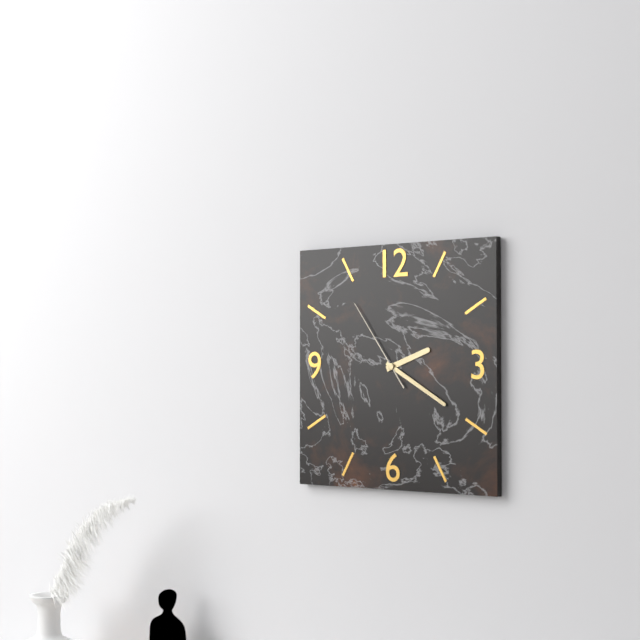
2:20:54
